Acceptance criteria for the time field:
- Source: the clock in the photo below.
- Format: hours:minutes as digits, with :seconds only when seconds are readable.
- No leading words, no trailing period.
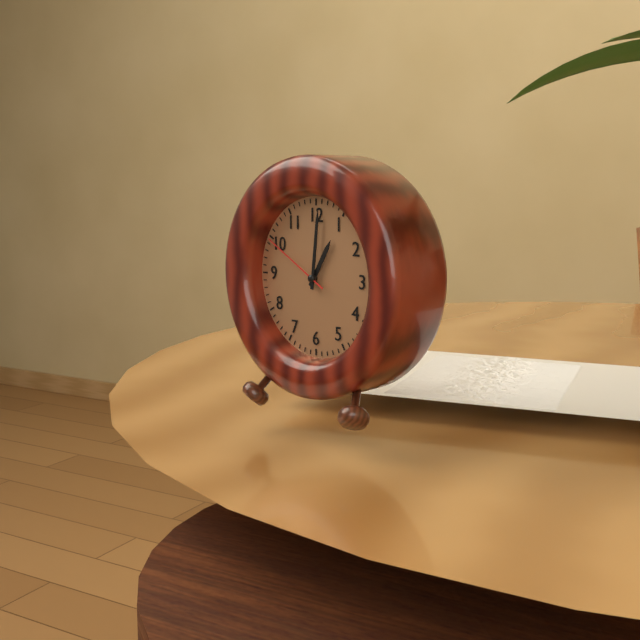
1:01:50
